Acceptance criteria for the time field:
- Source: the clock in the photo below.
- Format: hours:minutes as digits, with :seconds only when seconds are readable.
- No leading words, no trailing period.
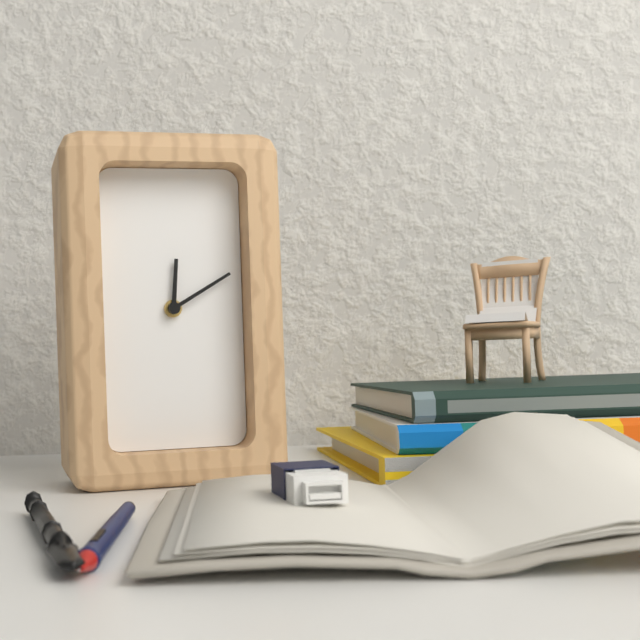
12:10
